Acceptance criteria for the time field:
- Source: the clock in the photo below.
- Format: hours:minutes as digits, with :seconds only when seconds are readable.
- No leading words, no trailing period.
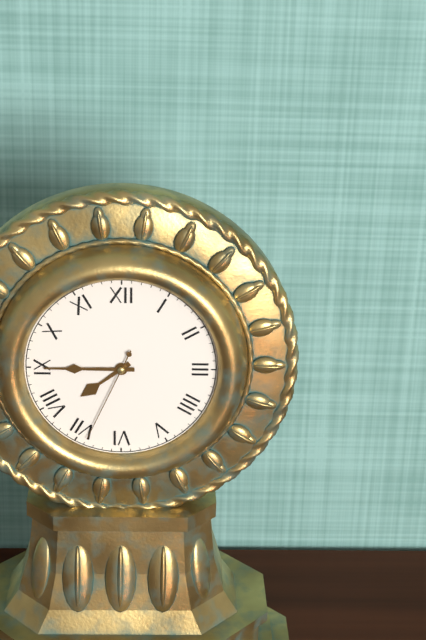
7:45:34
